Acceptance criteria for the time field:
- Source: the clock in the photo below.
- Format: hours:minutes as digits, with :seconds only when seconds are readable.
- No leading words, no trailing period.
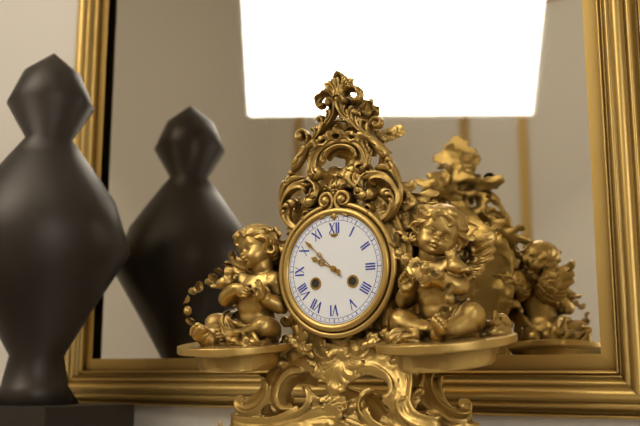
9:52
